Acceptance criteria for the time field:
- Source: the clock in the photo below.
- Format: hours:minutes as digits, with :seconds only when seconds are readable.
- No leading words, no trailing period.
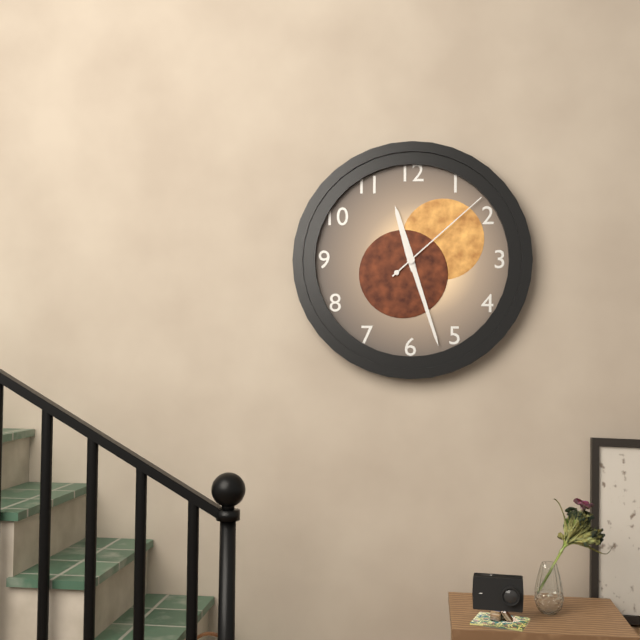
11:27:08
